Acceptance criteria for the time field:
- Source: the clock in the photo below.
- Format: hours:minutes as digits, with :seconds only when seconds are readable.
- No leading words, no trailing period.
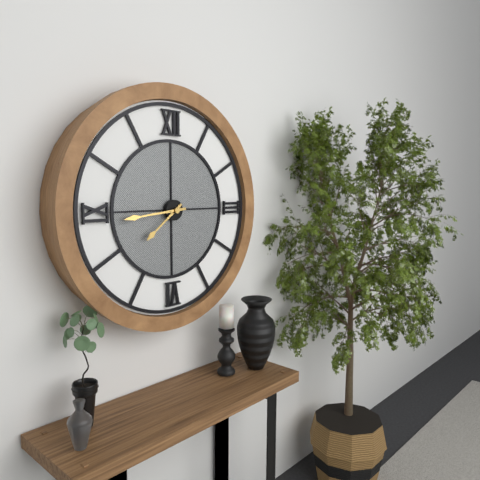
7:44
